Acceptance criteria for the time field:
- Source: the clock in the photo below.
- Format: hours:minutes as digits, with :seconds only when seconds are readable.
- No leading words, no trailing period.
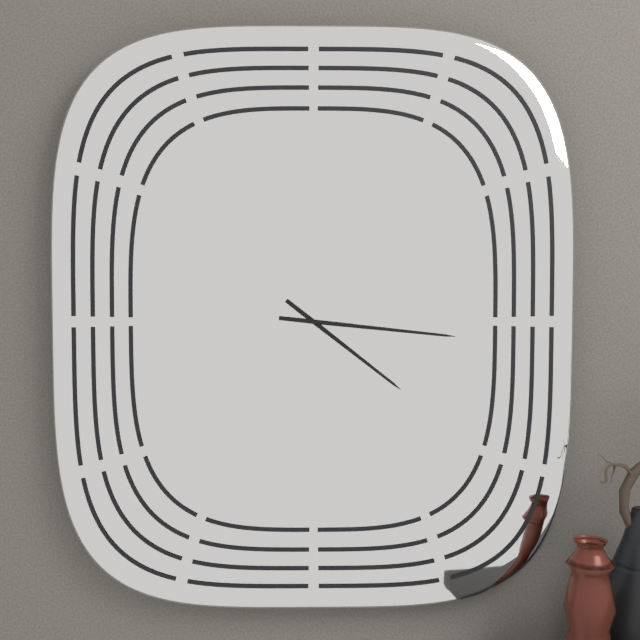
4:16
